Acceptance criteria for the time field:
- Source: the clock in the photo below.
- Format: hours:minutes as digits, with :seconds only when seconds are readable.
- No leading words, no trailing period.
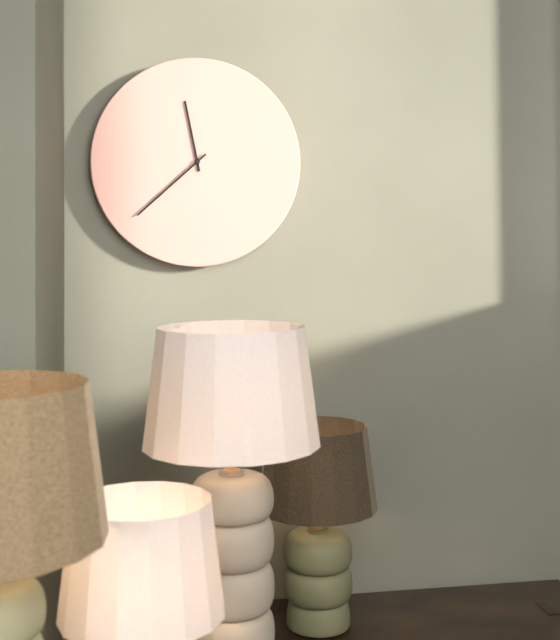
11:38
